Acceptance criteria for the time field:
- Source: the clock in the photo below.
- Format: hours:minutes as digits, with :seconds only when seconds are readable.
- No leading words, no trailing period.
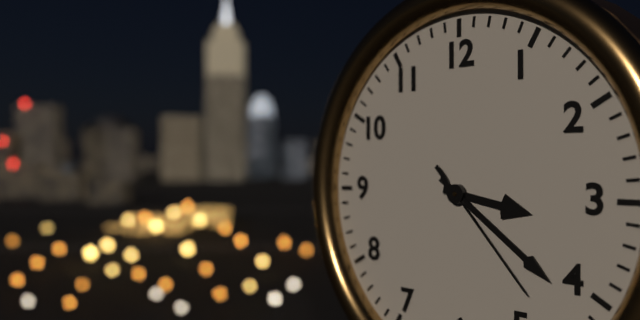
3:21:23
